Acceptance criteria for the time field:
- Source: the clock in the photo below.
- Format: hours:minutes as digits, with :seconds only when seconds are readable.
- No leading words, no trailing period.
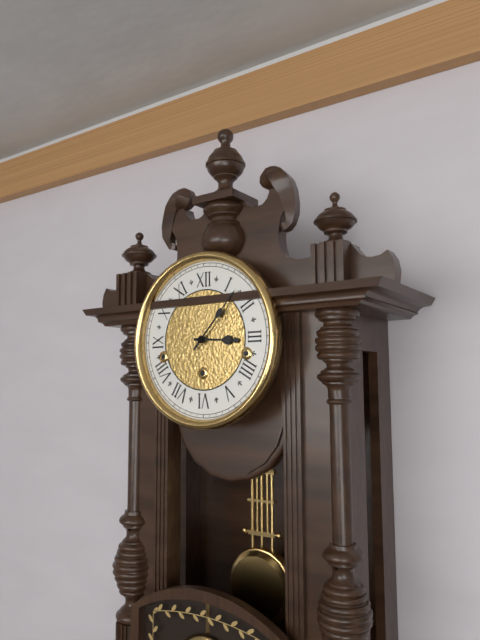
3:07
